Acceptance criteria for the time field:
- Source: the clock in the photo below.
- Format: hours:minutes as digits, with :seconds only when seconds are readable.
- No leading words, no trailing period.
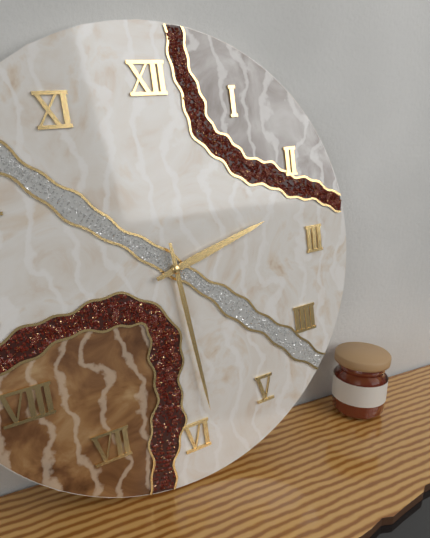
2:29
